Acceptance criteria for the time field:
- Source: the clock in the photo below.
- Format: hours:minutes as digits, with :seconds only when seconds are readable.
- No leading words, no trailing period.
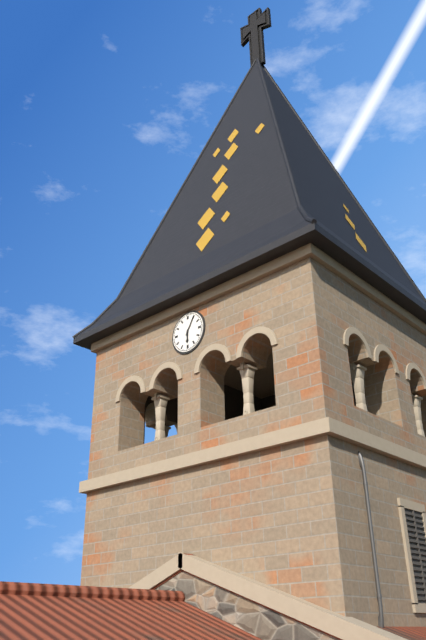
6:05
